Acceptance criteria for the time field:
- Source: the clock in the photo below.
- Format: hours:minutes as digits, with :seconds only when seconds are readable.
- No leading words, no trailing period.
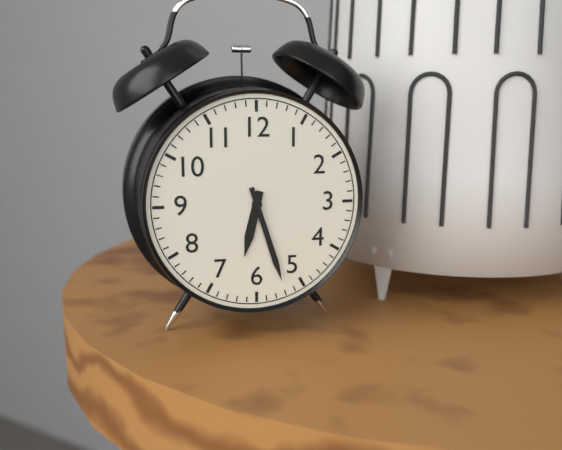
6:27
